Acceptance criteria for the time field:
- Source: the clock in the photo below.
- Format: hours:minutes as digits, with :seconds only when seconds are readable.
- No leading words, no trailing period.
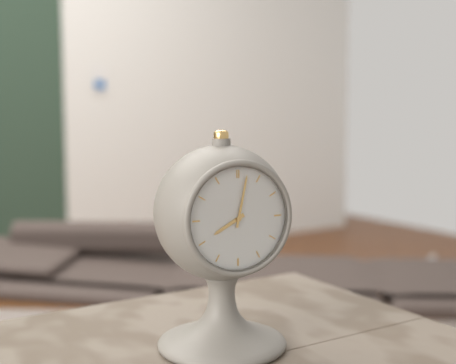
8:02
